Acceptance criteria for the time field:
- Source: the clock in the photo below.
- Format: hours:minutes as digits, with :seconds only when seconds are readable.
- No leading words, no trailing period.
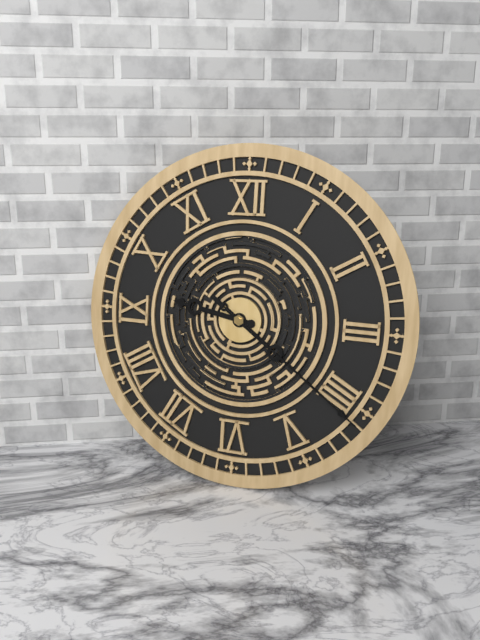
9:21:21
